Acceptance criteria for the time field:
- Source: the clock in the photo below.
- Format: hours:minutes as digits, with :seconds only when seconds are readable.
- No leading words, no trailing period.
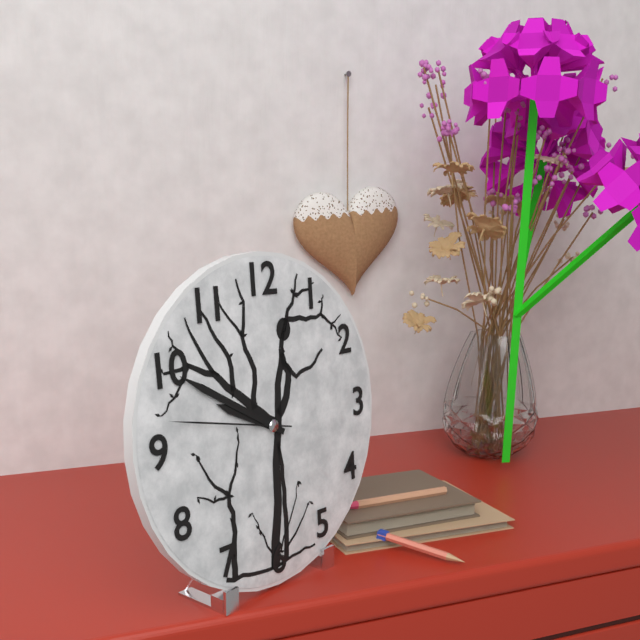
9:50:47
